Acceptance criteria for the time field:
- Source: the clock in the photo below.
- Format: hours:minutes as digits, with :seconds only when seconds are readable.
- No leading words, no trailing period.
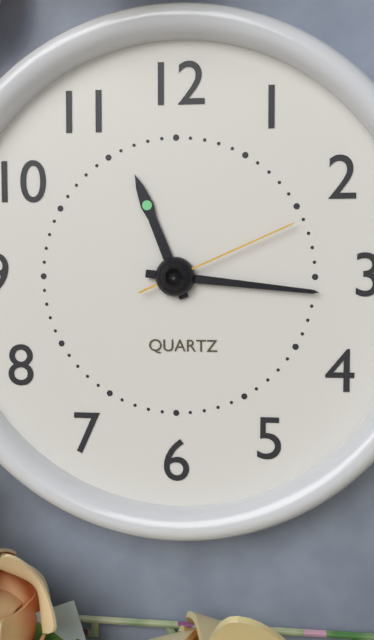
11:16:11
